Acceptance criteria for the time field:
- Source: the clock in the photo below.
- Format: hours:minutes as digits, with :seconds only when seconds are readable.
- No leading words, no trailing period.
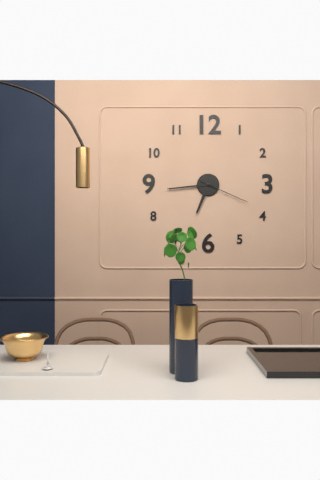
6:44:19
